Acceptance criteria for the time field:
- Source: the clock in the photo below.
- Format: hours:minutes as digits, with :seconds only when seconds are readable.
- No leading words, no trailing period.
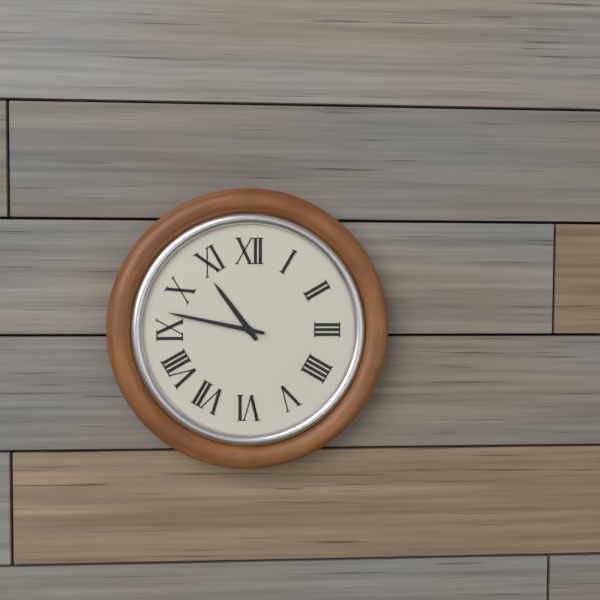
10:47
